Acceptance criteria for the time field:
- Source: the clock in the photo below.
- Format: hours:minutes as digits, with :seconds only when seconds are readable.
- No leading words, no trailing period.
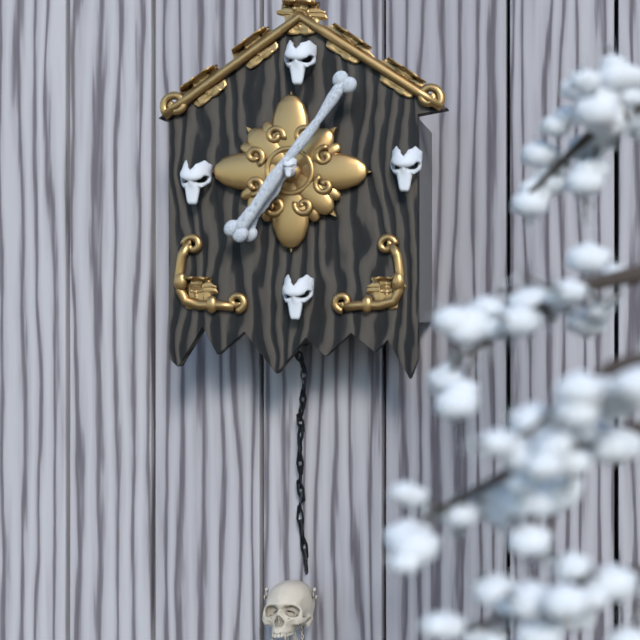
7:06
